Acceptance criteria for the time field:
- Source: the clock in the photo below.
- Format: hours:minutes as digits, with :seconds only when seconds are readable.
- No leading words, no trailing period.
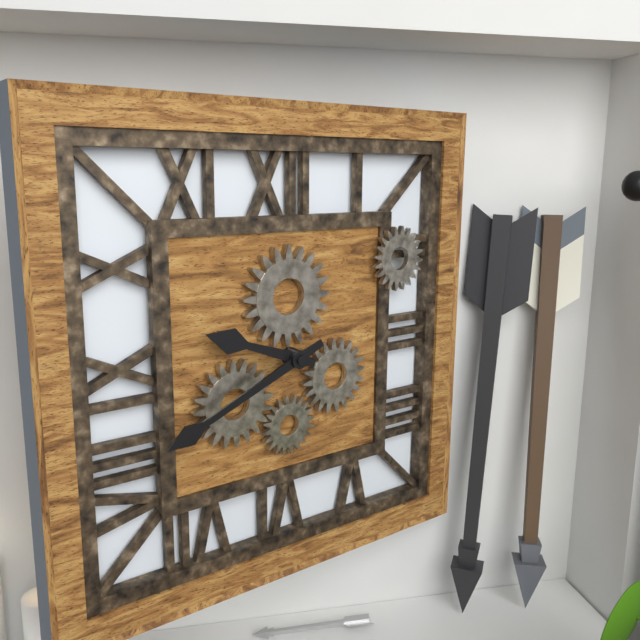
9:41
